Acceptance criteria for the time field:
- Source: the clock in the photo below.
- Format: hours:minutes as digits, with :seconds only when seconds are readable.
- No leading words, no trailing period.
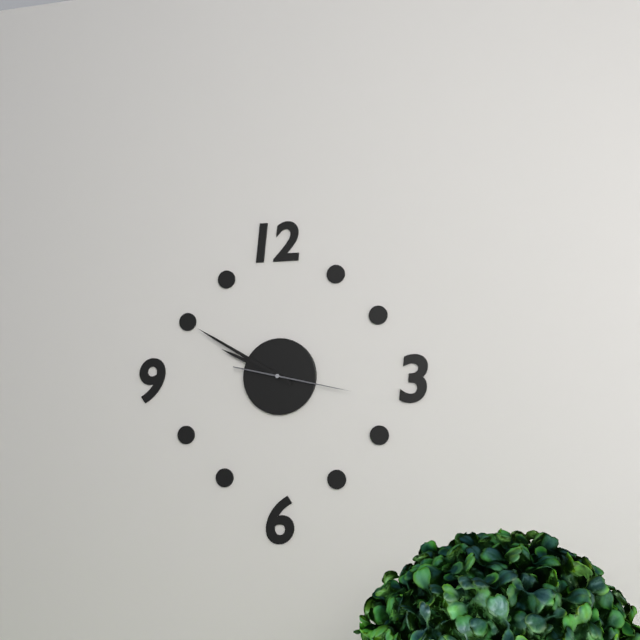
9:50:17
